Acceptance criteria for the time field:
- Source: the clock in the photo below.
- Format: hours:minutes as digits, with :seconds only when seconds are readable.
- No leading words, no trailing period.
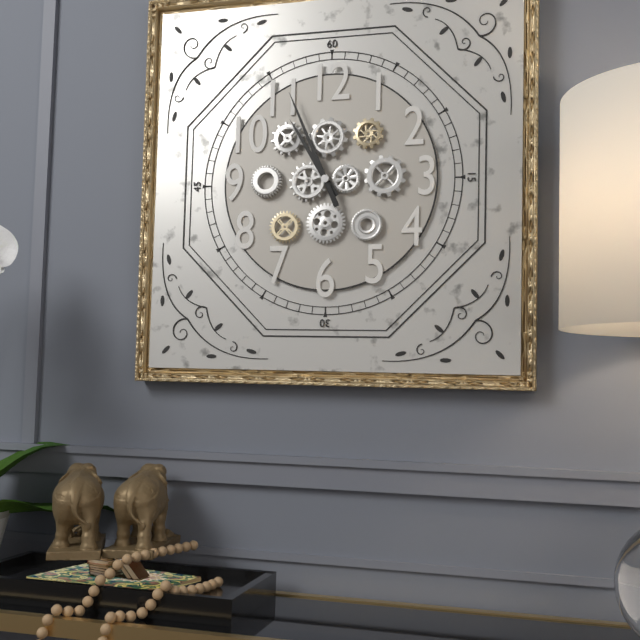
10:56
